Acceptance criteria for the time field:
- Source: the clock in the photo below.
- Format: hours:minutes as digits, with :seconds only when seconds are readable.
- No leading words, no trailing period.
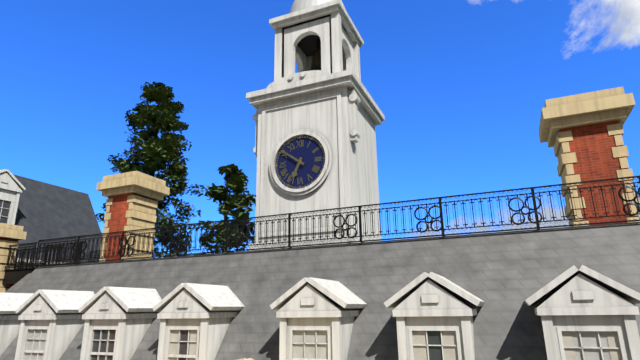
6:51
